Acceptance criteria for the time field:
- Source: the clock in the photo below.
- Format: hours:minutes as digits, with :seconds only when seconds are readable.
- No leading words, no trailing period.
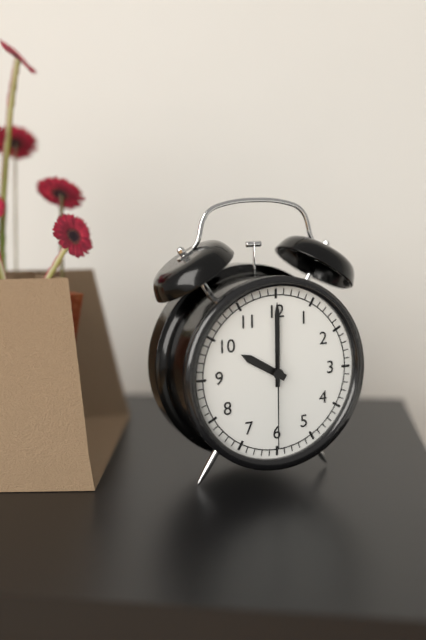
10:00:30
